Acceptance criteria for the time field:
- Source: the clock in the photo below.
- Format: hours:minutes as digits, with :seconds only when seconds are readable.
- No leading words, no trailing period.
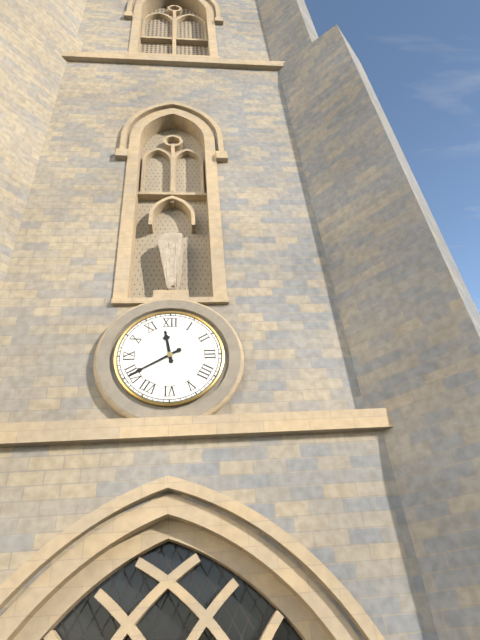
11:40
